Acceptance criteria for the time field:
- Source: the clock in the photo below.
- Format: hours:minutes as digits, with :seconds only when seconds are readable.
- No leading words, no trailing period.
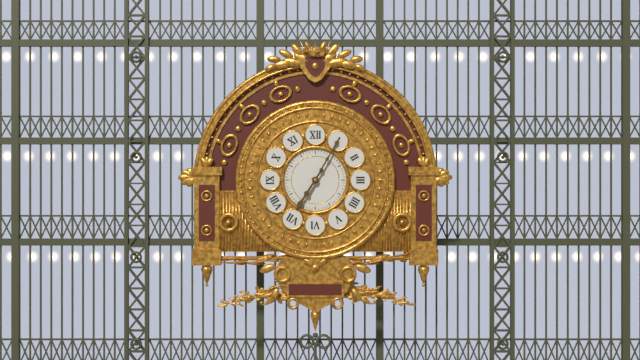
7:05
